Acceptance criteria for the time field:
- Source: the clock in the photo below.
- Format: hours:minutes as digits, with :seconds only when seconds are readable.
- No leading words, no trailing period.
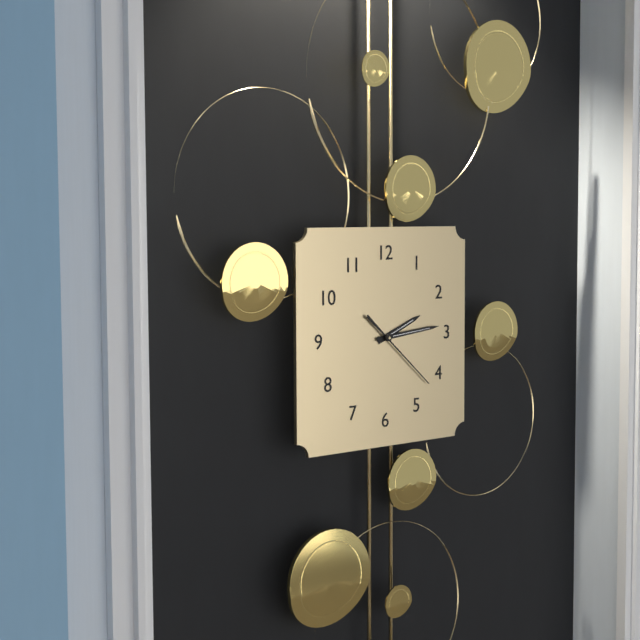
2:14:22
